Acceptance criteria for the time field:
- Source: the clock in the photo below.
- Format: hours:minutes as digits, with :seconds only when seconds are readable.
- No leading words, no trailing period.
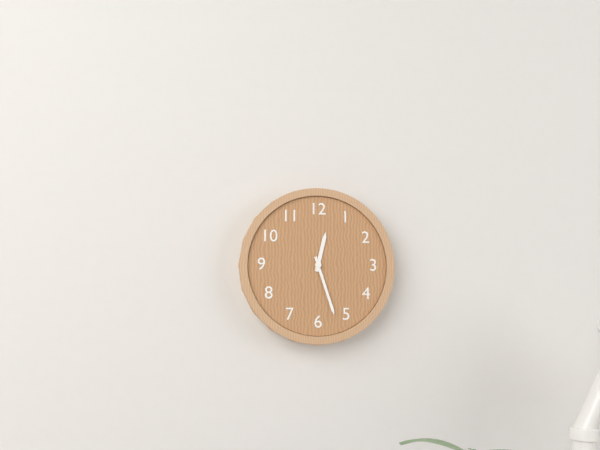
12:27
